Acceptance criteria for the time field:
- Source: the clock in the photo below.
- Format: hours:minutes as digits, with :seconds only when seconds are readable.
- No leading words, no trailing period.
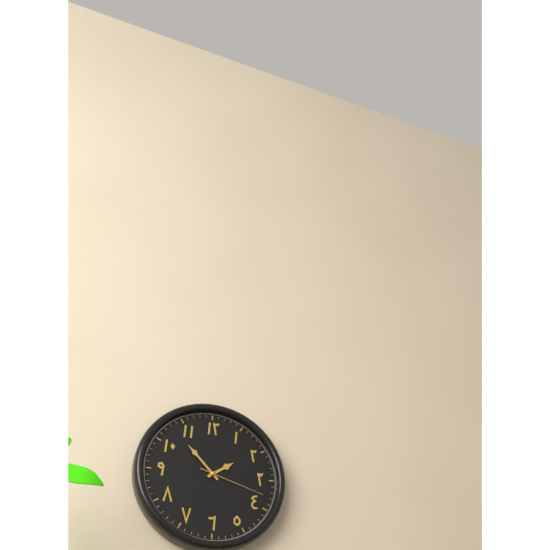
1:53:18
